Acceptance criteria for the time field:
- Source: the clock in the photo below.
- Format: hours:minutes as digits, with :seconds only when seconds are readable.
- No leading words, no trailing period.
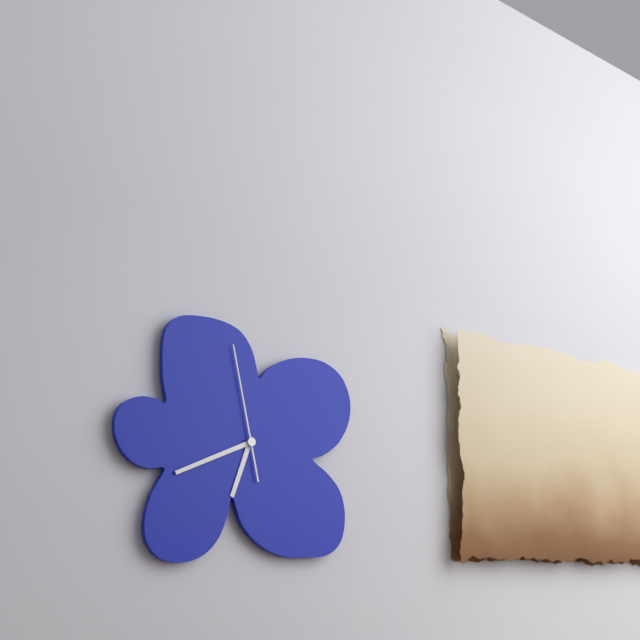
6:41:58
